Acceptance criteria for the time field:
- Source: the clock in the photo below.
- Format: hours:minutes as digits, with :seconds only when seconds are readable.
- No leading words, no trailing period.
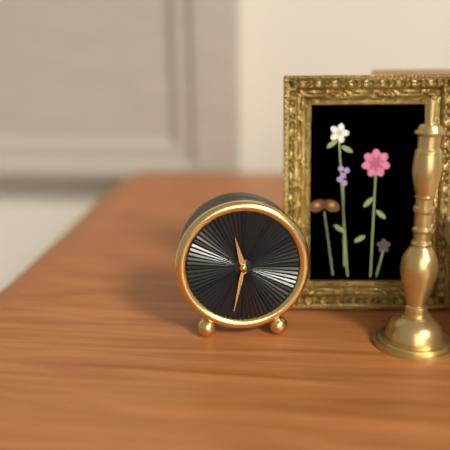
11:32
